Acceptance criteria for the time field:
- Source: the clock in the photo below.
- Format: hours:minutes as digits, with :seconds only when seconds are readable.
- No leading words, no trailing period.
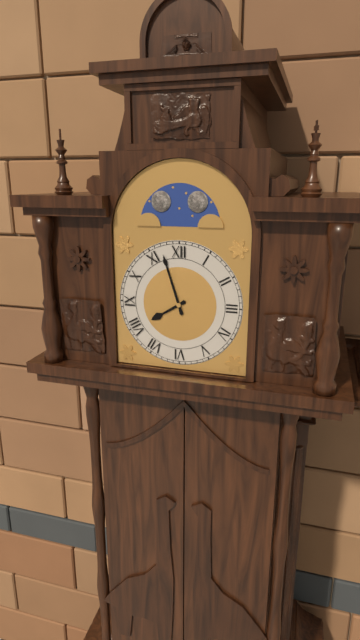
7:57
